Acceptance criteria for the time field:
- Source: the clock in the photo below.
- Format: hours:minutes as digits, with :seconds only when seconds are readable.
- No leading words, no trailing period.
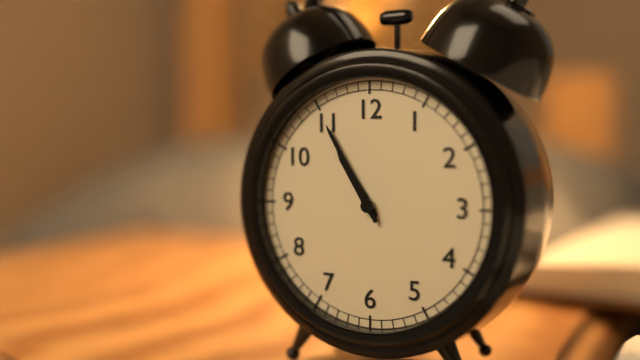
10:55
